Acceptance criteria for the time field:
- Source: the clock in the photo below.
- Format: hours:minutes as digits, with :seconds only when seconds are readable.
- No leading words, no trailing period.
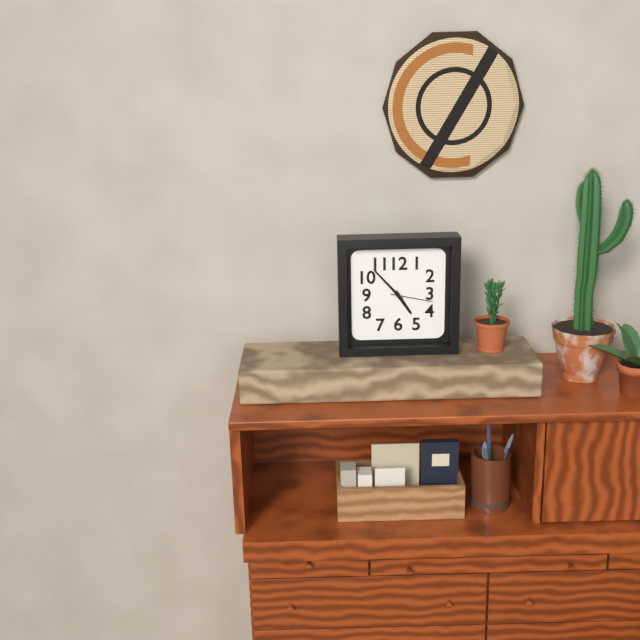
4:53
